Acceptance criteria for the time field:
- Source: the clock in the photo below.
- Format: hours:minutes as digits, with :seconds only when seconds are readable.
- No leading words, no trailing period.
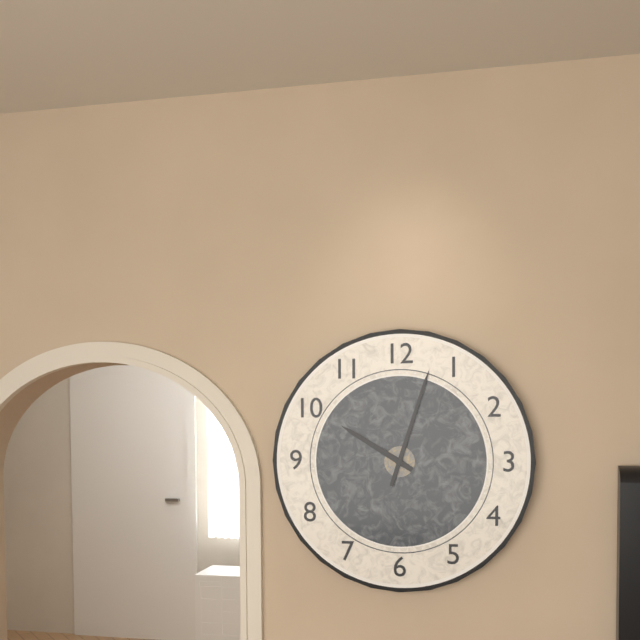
10:03
